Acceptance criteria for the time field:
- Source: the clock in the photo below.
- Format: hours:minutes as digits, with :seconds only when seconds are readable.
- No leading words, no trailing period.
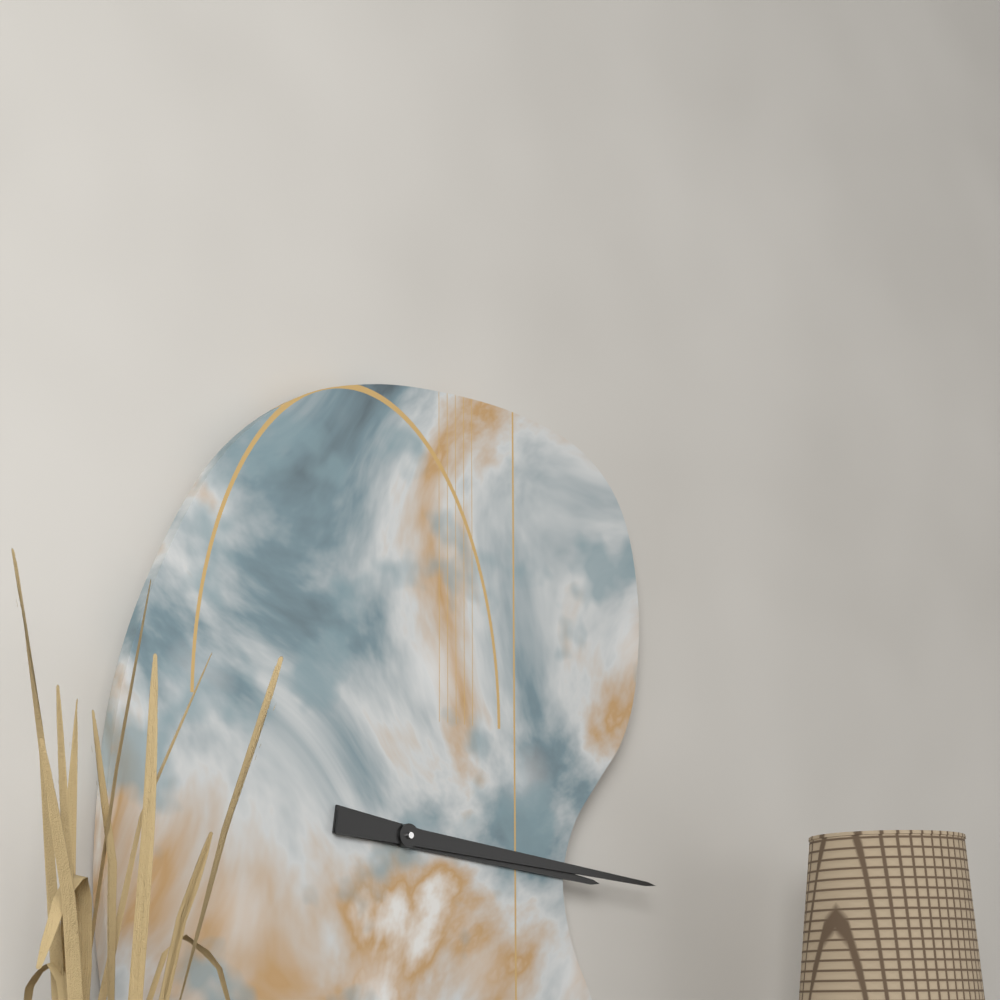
3:16
